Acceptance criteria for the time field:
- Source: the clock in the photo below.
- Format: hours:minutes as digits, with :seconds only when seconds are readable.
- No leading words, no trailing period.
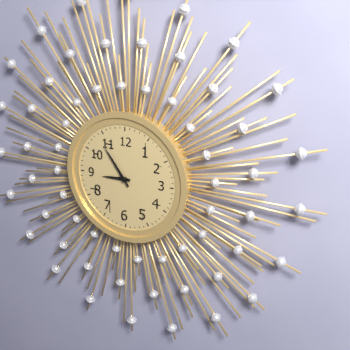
8:54
